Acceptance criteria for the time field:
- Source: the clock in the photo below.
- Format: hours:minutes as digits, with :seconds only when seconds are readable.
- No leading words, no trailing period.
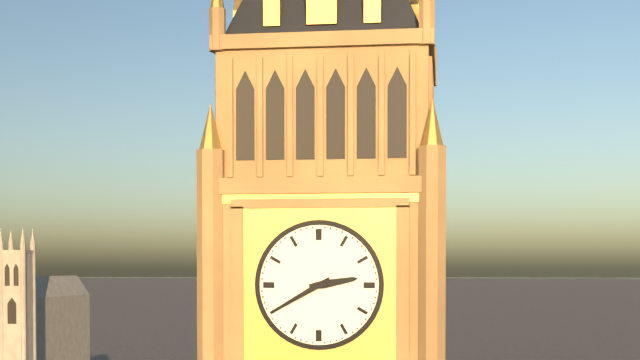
2:40
